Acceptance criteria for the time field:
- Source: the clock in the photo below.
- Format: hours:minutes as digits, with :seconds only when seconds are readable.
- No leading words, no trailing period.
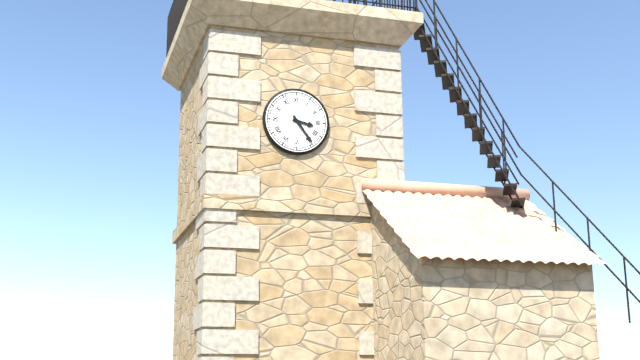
3:24
